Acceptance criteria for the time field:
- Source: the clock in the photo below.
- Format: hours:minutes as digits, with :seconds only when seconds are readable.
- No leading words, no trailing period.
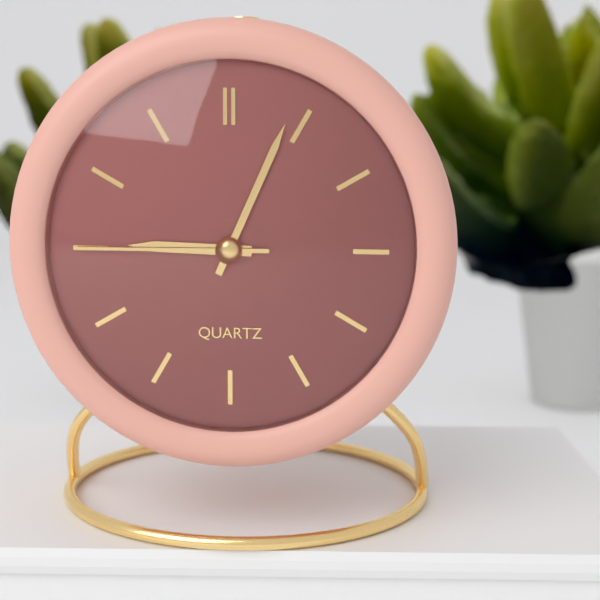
9:04:45
